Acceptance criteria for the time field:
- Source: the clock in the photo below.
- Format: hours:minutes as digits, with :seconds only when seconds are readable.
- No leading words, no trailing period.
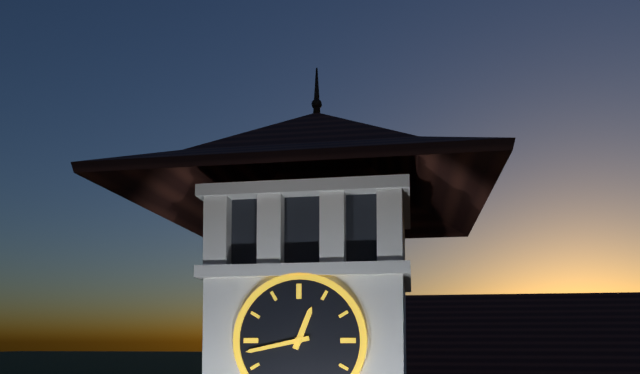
12:43
